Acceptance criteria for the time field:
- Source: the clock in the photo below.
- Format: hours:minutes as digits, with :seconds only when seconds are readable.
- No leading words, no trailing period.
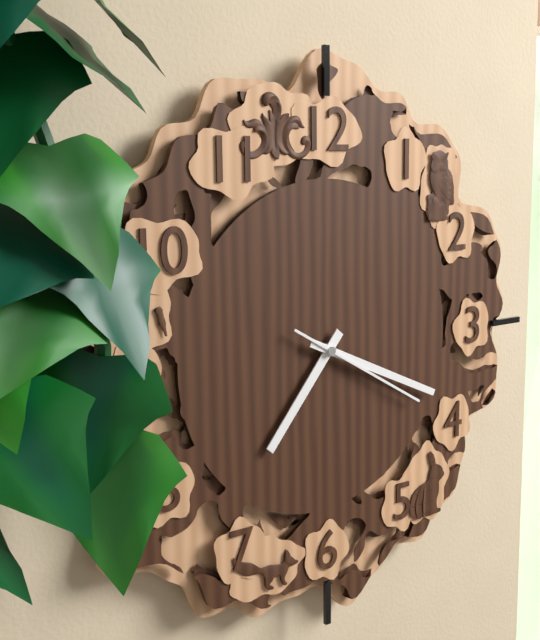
7:19:20
